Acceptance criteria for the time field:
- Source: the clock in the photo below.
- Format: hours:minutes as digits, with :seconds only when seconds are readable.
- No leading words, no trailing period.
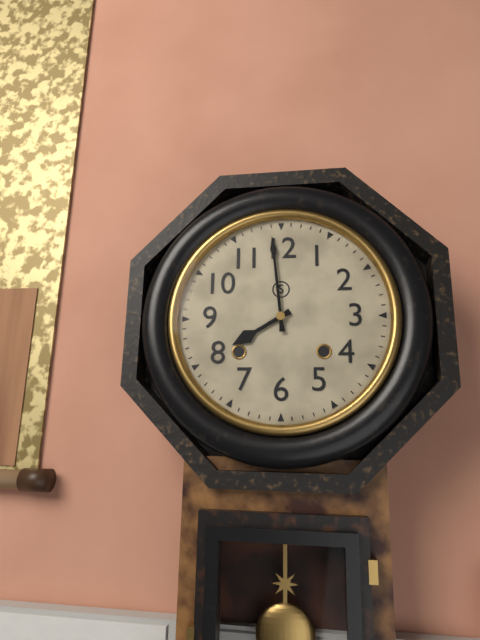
7:59
